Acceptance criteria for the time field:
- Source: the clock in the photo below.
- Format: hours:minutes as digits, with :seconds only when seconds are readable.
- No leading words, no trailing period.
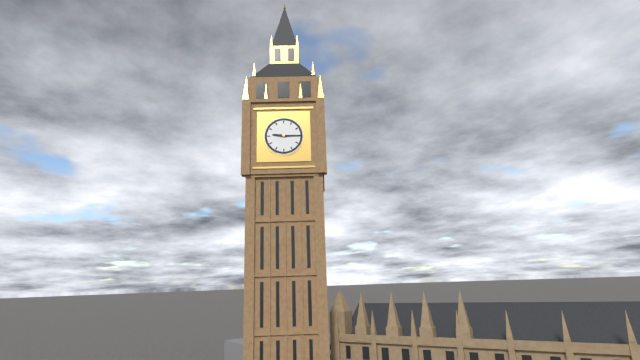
9:15
